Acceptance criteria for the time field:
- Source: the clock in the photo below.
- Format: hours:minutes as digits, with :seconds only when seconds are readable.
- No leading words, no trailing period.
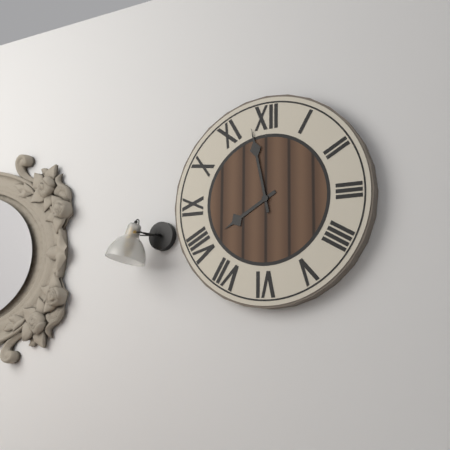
7:58
